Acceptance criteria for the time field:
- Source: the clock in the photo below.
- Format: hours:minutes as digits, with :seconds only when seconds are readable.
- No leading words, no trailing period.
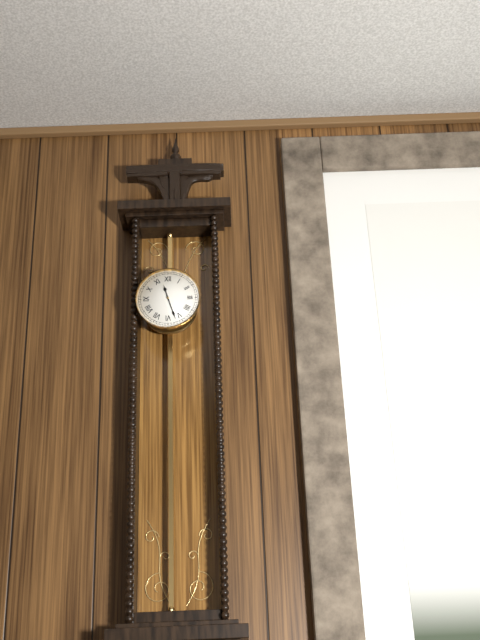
11:27
